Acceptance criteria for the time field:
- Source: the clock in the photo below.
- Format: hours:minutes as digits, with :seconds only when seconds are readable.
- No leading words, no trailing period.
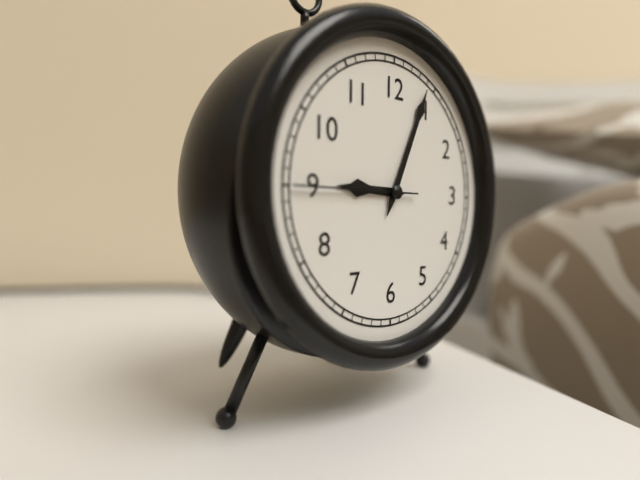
9:04:45
